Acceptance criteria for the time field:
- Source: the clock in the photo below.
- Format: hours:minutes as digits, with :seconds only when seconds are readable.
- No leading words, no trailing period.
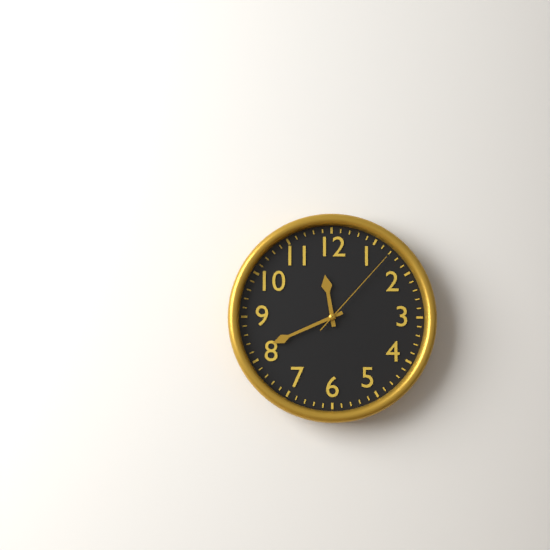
11:41:07
